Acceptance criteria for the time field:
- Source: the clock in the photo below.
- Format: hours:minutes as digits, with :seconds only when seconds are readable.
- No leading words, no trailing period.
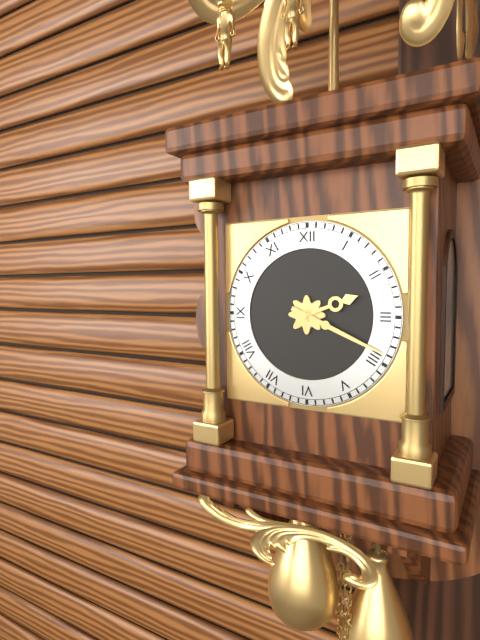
2:19
